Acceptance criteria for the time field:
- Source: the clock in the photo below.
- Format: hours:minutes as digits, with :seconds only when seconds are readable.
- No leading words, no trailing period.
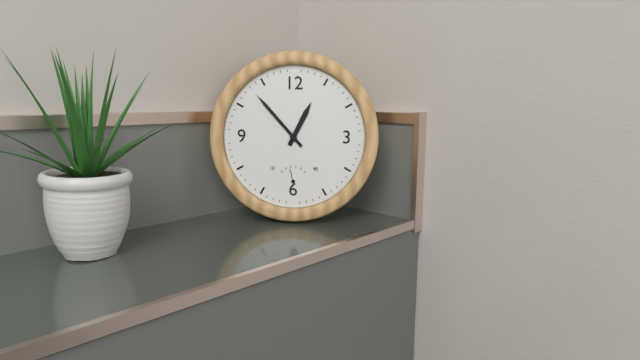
12:53
